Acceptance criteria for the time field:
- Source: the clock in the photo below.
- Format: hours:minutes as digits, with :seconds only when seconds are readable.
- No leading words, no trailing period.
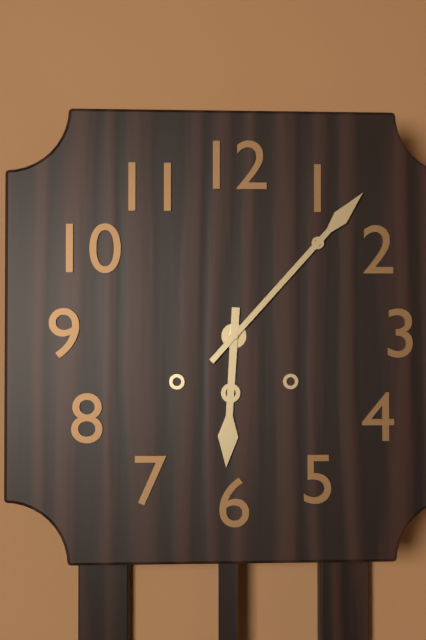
6:07
